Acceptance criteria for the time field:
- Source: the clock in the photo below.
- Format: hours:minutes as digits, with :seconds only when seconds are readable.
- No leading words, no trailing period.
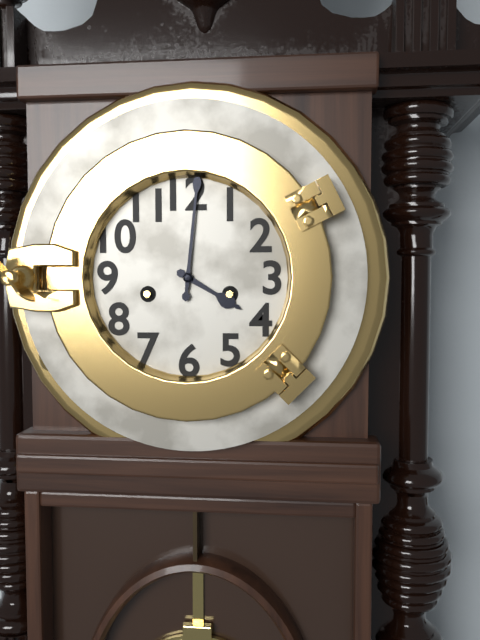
4:01
